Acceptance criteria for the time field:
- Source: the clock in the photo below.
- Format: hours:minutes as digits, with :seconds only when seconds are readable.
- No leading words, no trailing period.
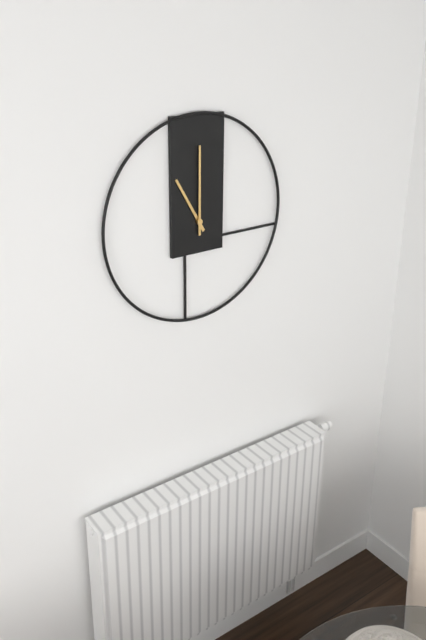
11:00
